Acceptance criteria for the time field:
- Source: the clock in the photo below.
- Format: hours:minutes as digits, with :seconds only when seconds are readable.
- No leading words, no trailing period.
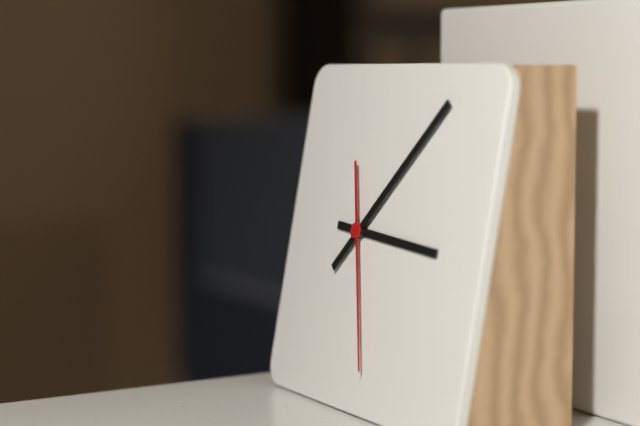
3:07:27
